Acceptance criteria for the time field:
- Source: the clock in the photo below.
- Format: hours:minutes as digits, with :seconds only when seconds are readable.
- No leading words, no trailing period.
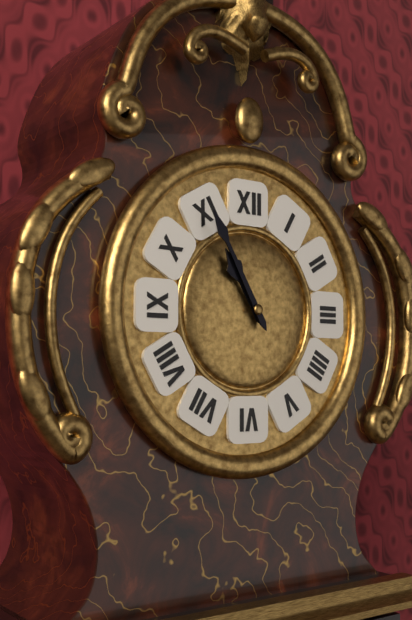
10:55
